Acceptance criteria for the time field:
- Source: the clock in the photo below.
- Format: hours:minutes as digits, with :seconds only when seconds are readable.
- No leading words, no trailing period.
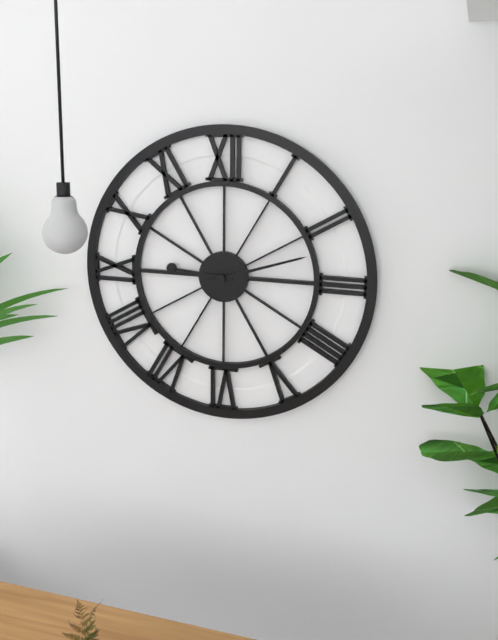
9:12
